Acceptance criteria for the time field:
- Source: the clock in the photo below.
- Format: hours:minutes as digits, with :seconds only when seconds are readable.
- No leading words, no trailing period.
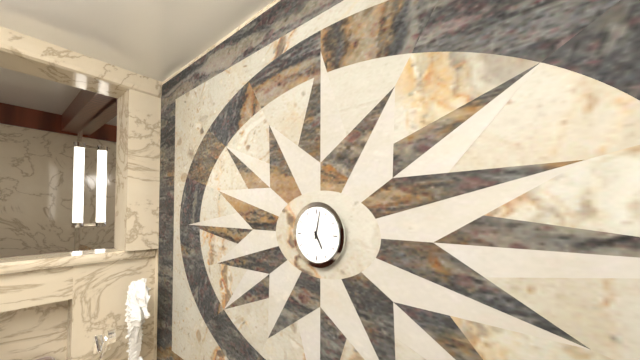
5:02
